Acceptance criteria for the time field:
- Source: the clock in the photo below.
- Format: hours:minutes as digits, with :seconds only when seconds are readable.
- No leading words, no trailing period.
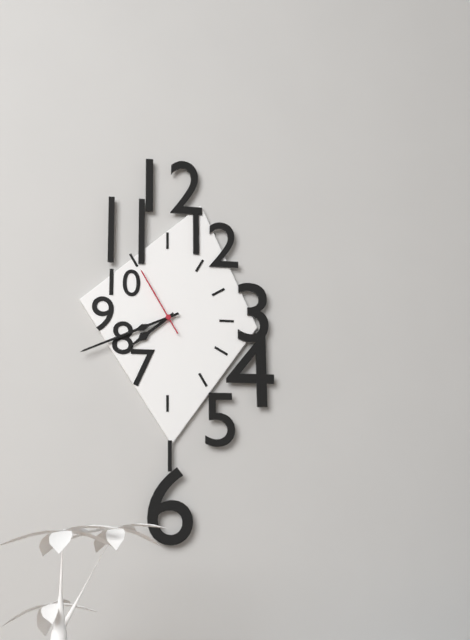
7:41:55
